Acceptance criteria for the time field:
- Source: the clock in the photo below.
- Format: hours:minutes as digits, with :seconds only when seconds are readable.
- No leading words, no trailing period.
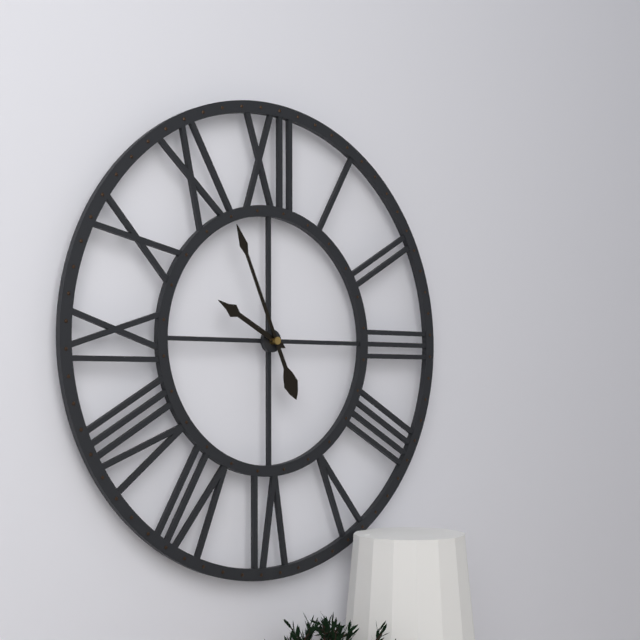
9:56
